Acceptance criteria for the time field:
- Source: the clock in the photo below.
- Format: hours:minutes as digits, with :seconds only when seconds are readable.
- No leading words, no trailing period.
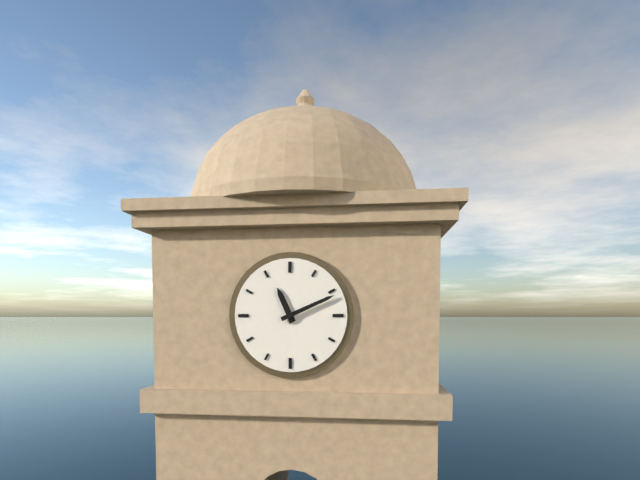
11:11
